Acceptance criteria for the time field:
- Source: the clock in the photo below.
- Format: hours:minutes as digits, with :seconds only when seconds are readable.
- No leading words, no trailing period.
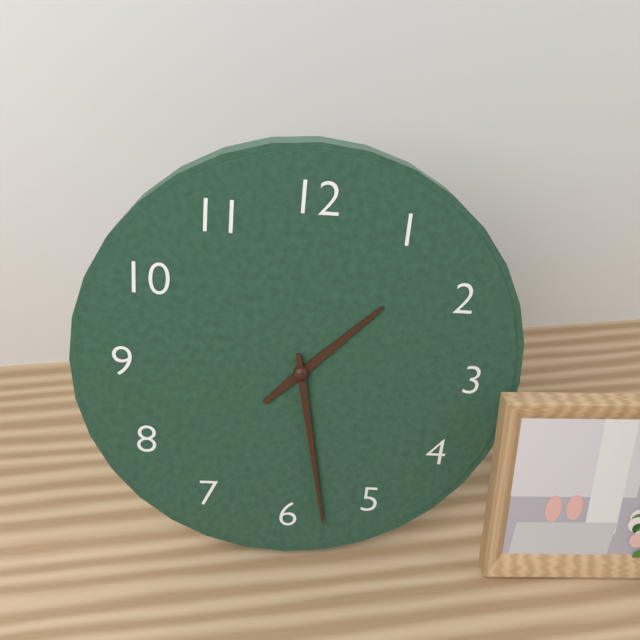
1:28
